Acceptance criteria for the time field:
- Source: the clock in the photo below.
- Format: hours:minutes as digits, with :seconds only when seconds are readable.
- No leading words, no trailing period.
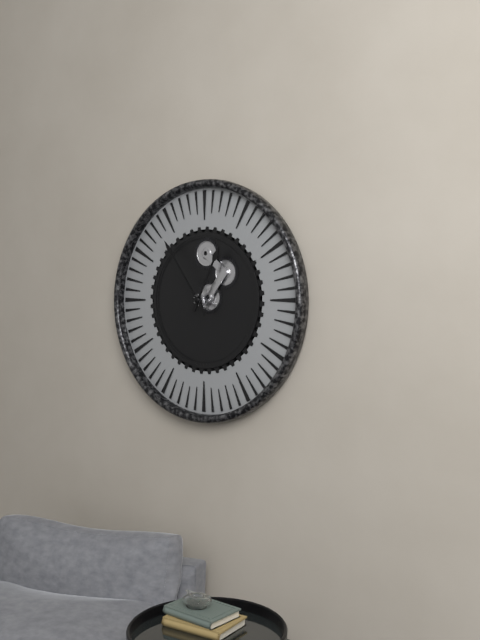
12:54
